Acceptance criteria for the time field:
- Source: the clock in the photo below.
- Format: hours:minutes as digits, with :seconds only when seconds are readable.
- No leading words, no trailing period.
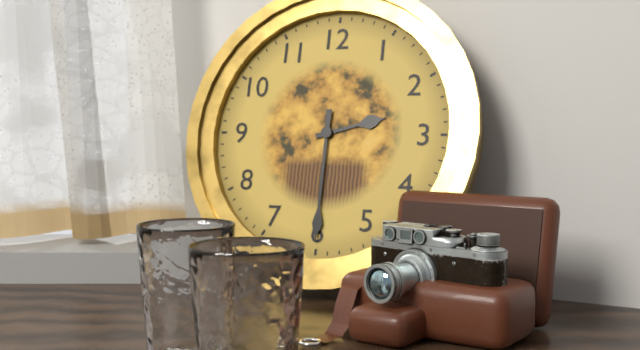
2:30
